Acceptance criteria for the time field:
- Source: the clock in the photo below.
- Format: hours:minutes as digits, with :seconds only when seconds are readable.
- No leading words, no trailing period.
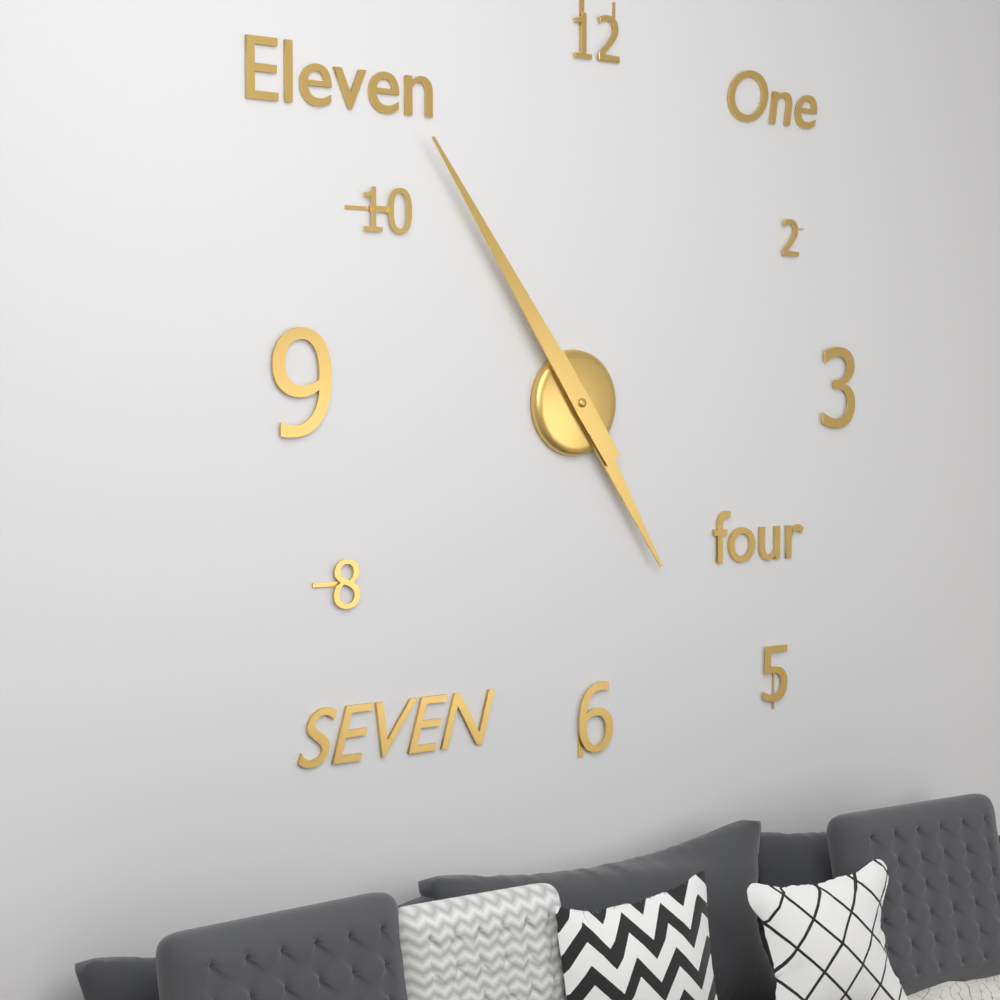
4:54
